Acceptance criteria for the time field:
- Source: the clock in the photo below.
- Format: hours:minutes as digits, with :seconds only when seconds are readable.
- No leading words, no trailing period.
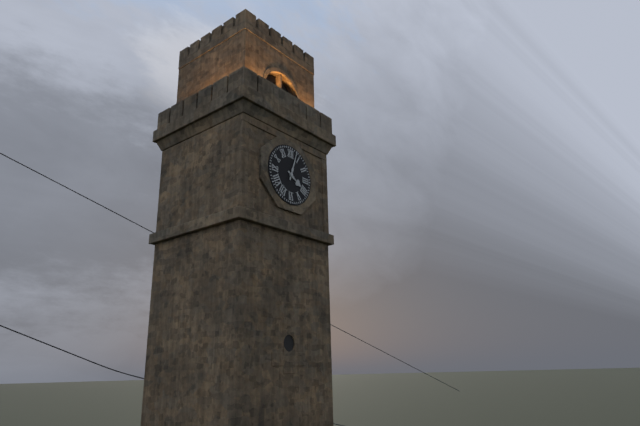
4:03
